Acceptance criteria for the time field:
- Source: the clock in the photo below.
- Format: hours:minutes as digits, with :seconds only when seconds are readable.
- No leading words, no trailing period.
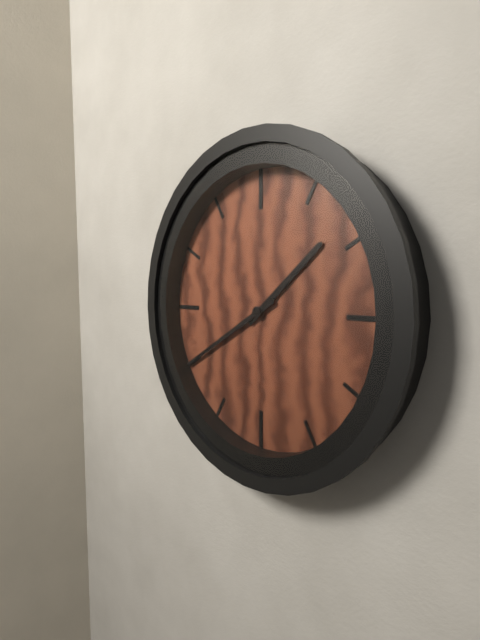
1:40
